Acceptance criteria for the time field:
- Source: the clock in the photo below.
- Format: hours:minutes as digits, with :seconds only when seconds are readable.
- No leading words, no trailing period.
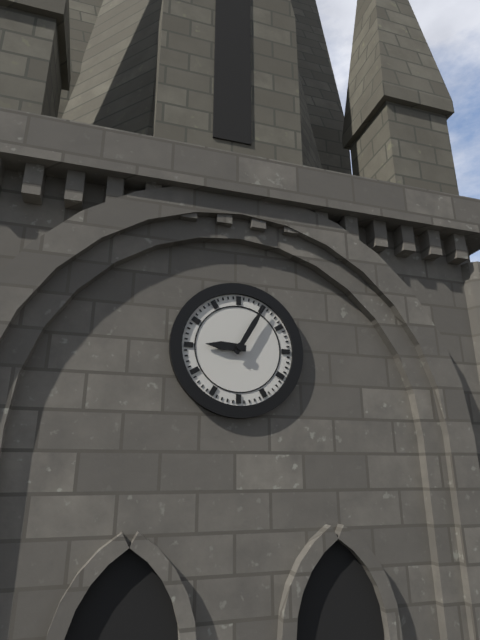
9:05
